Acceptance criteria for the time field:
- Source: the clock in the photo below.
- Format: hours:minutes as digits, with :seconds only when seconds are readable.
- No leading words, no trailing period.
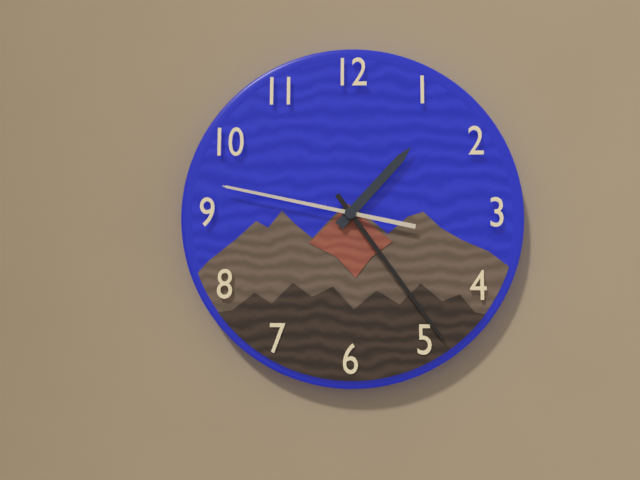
1:24:47
